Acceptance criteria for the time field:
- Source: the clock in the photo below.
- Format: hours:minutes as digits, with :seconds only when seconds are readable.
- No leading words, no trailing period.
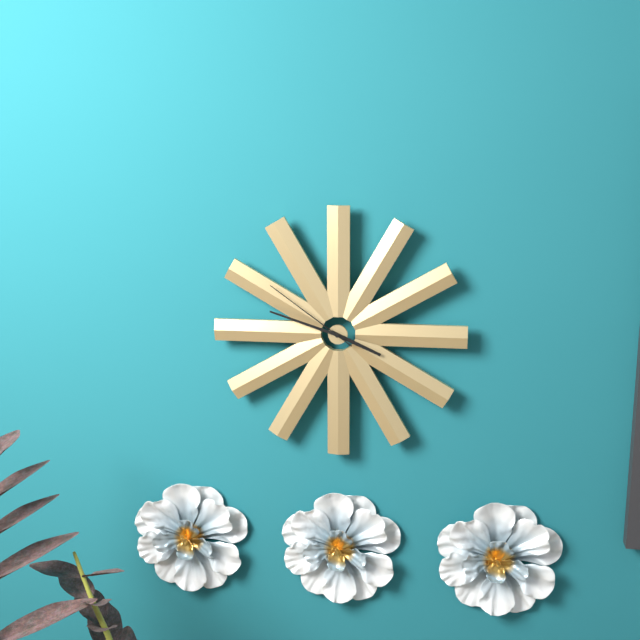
3:48:51
